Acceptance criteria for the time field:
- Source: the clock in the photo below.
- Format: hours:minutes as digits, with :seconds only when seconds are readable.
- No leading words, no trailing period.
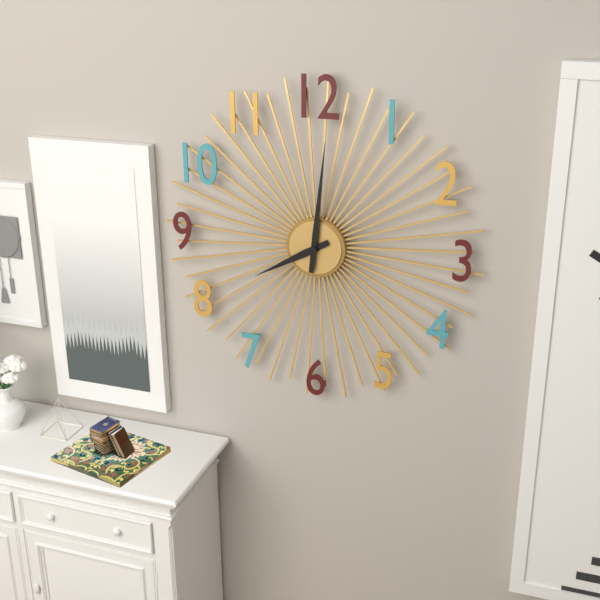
8:01
